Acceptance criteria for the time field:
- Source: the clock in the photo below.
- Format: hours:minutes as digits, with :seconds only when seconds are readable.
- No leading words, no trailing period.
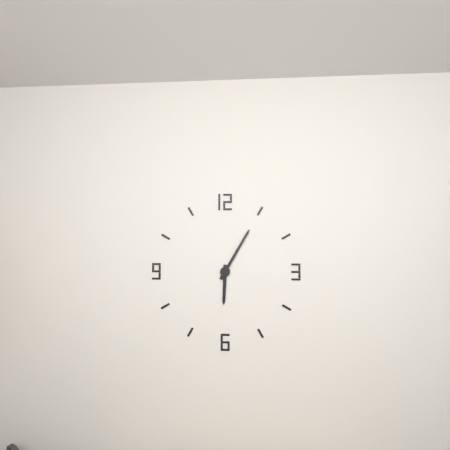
6:05
